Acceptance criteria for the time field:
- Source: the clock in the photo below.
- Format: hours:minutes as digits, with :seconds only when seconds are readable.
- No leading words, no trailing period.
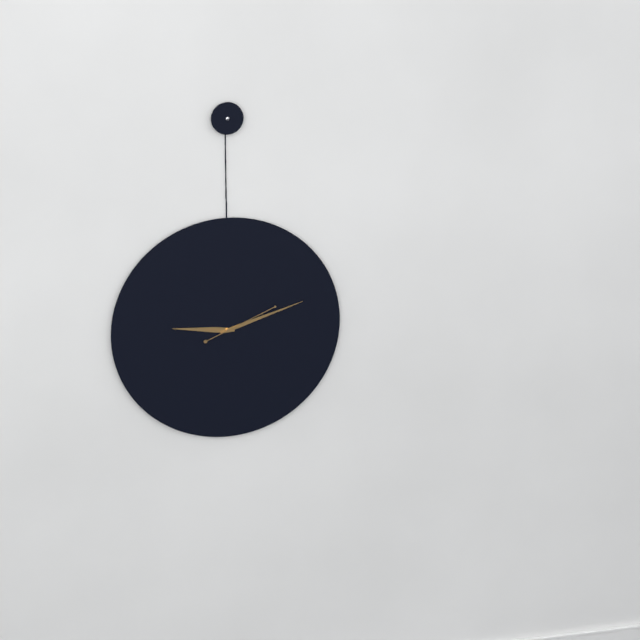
9:12:11
